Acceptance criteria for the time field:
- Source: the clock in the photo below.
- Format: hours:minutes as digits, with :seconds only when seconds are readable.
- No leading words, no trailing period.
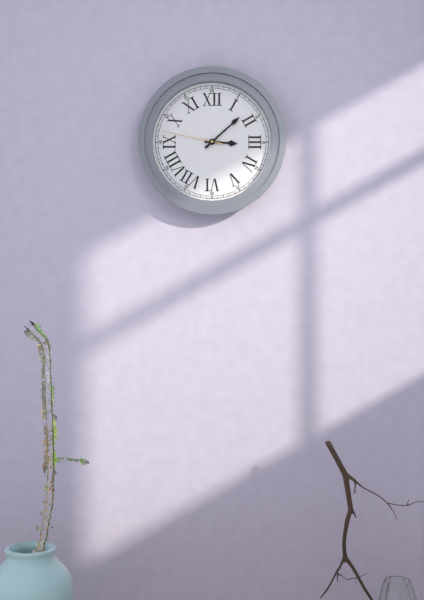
3:08:47
